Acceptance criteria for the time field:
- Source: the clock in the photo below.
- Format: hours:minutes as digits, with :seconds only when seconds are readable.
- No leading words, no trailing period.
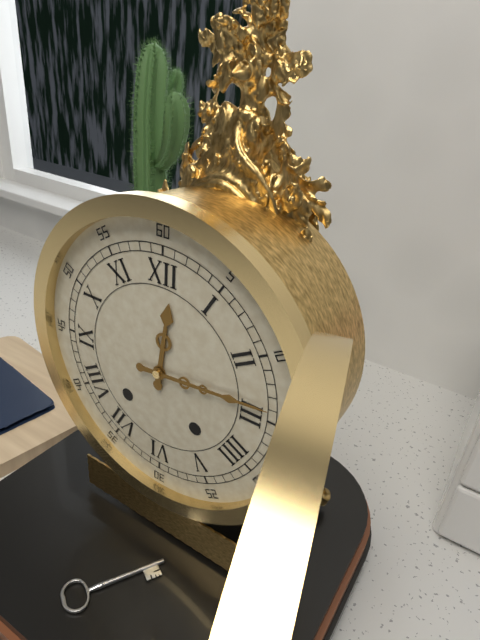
12:14
